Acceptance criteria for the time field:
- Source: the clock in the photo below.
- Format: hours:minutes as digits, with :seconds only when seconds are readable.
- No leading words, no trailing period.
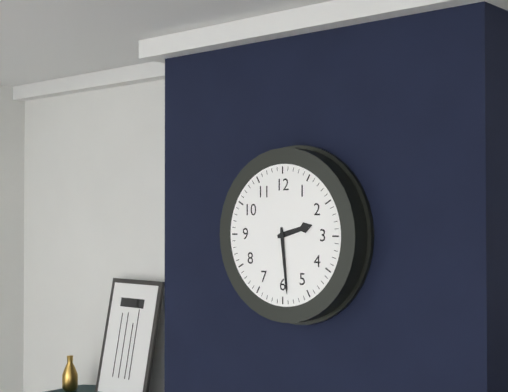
2:29
